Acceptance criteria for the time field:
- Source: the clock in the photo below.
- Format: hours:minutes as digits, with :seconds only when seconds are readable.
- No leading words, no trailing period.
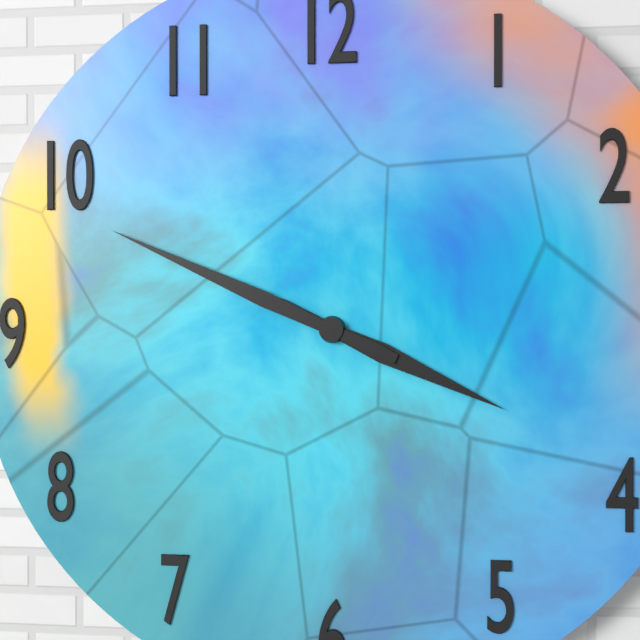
3:49
